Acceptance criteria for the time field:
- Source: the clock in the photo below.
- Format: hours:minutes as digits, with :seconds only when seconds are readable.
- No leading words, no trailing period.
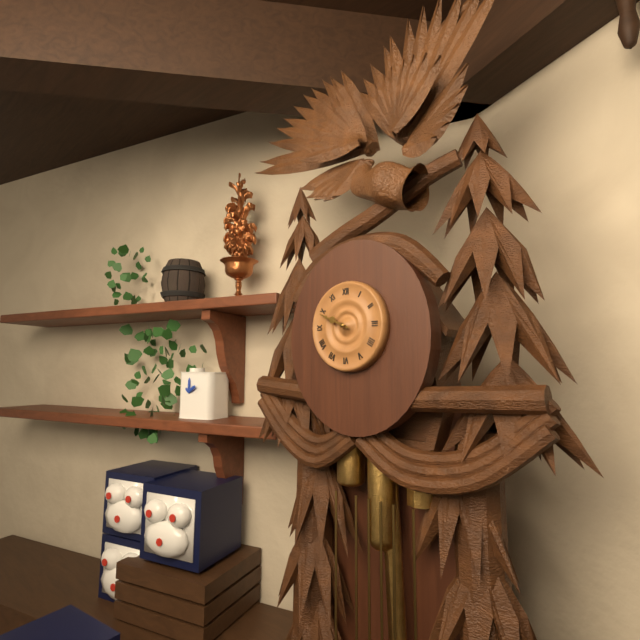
9:49
